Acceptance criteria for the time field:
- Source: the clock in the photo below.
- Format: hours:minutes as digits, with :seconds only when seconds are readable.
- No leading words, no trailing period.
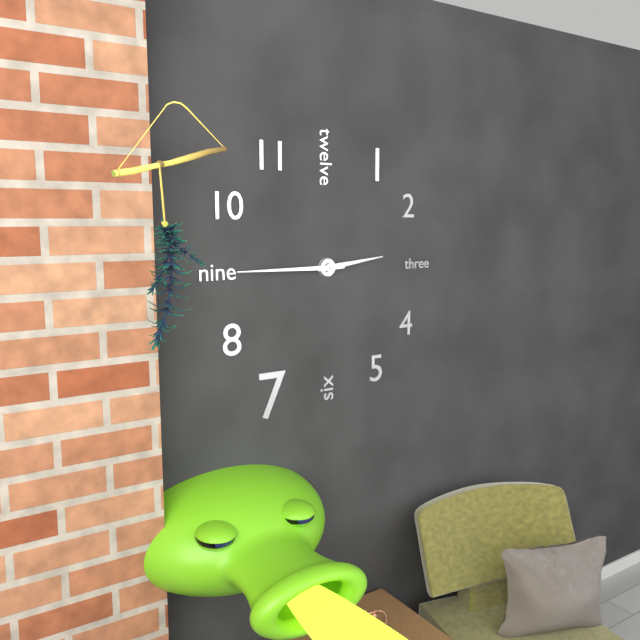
2:45
